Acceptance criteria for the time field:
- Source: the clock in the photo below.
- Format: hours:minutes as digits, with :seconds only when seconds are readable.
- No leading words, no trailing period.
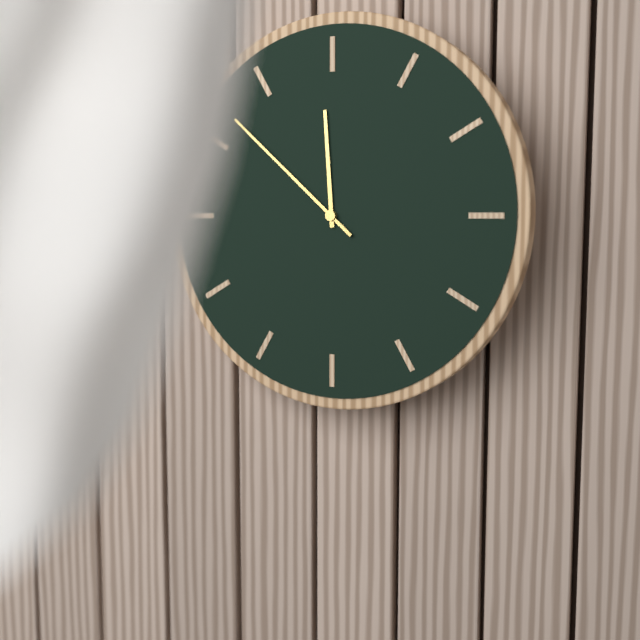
11:52
